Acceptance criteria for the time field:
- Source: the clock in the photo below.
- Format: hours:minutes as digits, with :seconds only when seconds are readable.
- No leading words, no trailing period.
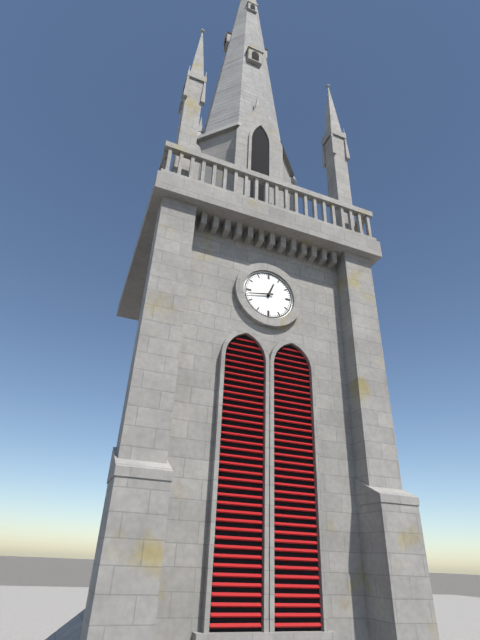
12:43
